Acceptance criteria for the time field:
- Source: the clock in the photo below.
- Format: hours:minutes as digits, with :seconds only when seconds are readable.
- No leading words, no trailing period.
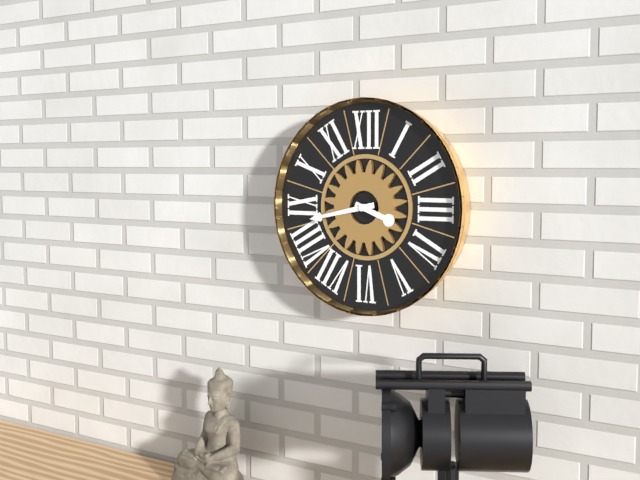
3:43
